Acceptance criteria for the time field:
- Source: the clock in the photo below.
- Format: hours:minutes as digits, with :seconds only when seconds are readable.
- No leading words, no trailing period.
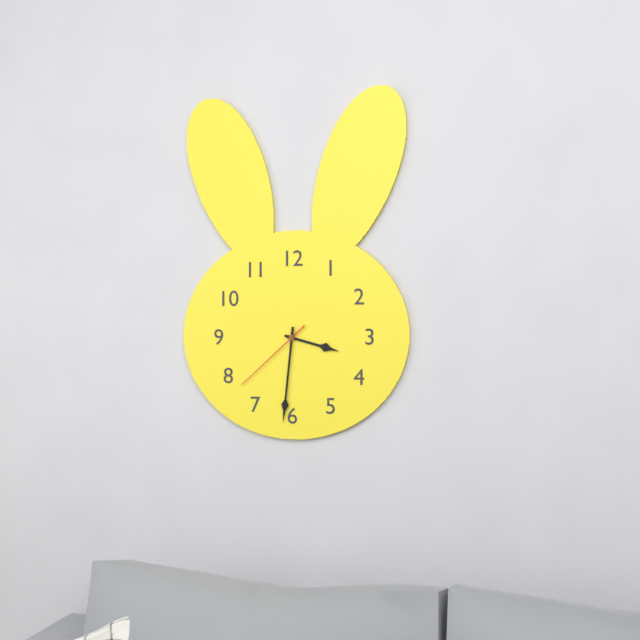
3:31:38
